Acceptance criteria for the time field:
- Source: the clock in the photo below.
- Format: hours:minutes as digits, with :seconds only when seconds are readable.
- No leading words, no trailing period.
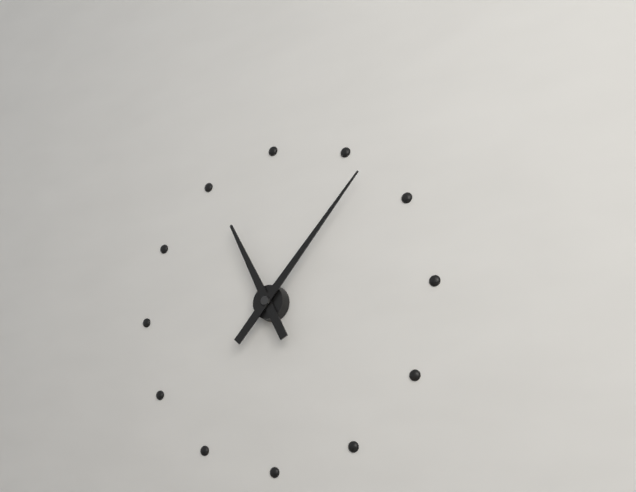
11:07
